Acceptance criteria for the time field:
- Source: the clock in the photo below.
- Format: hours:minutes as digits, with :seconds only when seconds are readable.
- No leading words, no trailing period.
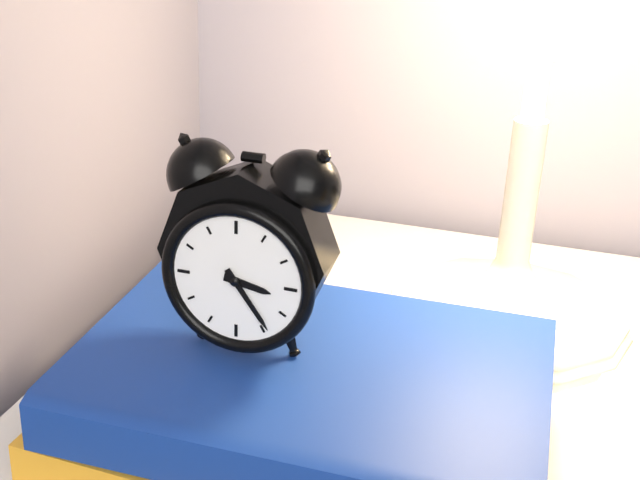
3:24
